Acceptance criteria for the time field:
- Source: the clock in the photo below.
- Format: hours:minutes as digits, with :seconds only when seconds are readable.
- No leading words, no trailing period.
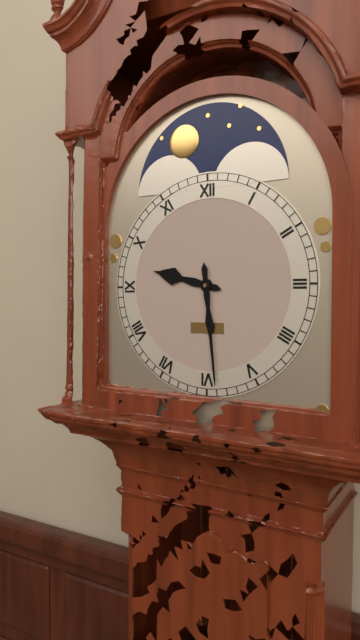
9:29
